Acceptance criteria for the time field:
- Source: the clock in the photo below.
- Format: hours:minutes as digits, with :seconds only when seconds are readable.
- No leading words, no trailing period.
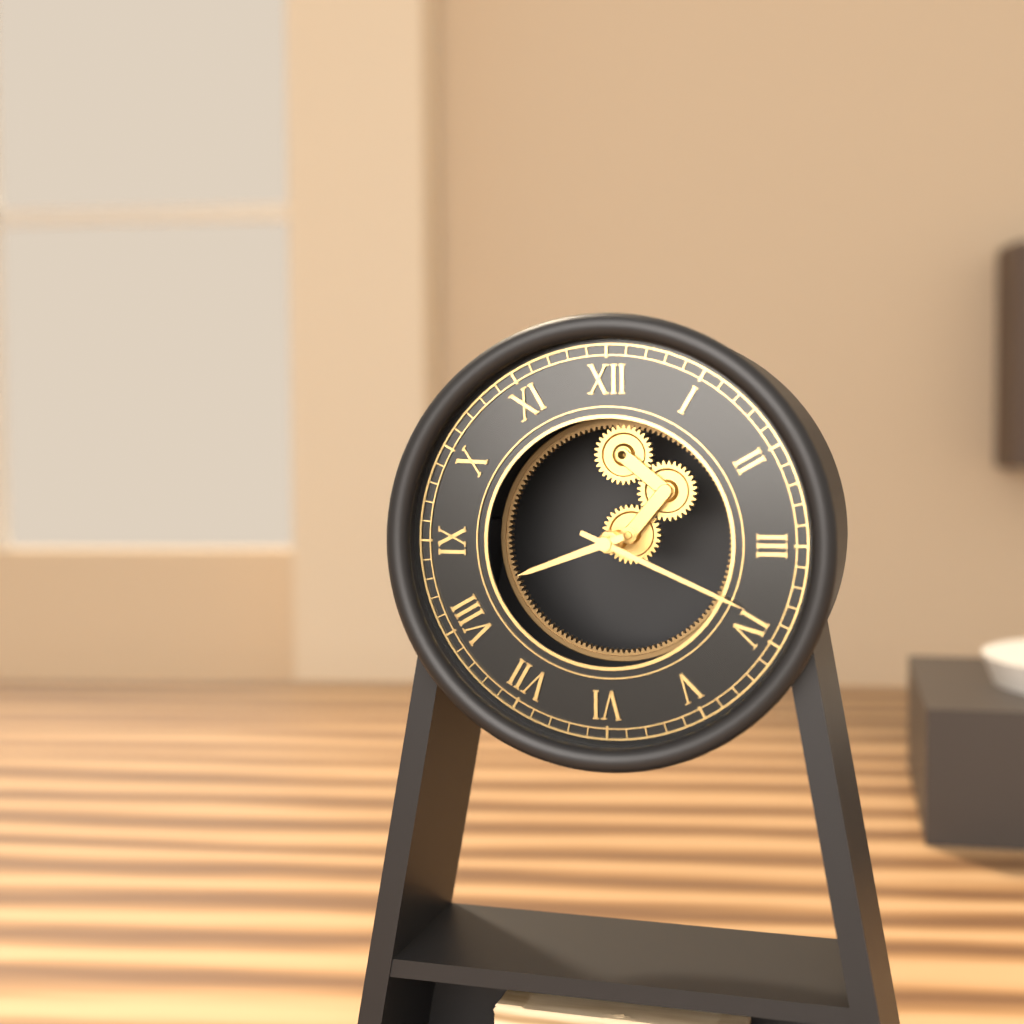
8:19
